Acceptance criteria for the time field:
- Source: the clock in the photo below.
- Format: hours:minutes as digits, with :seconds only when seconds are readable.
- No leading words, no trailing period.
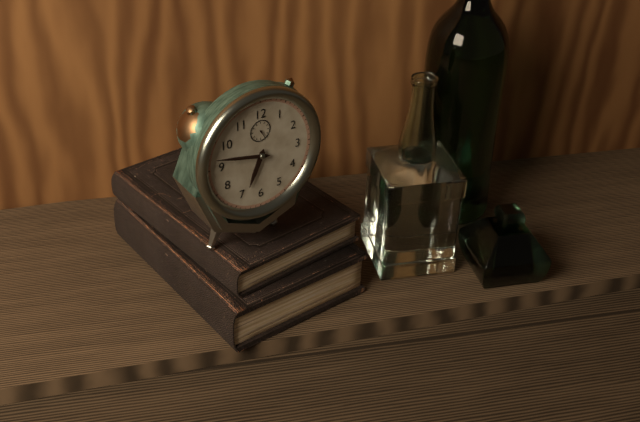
6:47
